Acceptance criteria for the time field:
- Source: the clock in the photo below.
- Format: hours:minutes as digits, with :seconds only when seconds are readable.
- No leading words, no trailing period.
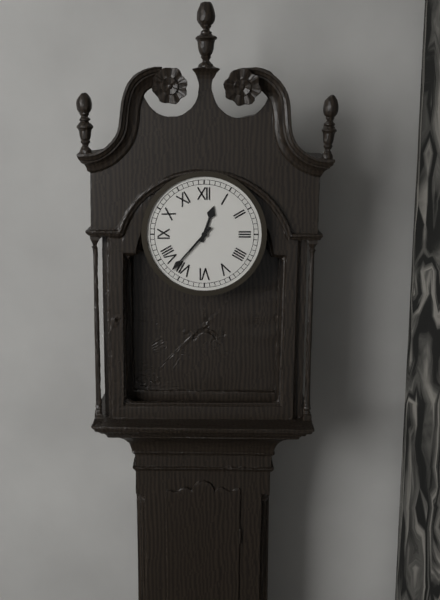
12:37
